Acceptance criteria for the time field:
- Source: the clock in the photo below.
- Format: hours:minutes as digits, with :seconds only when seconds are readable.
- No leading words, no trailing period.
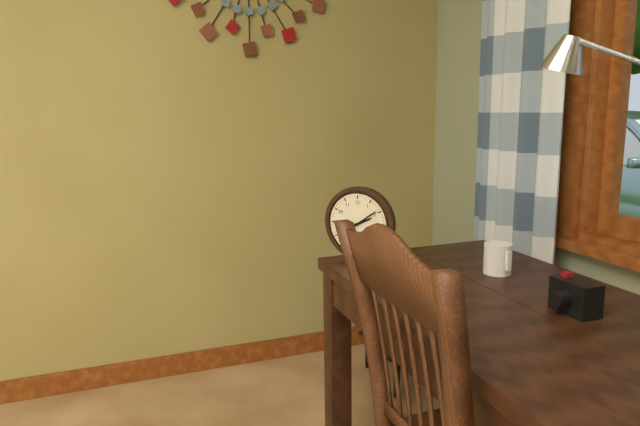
2:09
